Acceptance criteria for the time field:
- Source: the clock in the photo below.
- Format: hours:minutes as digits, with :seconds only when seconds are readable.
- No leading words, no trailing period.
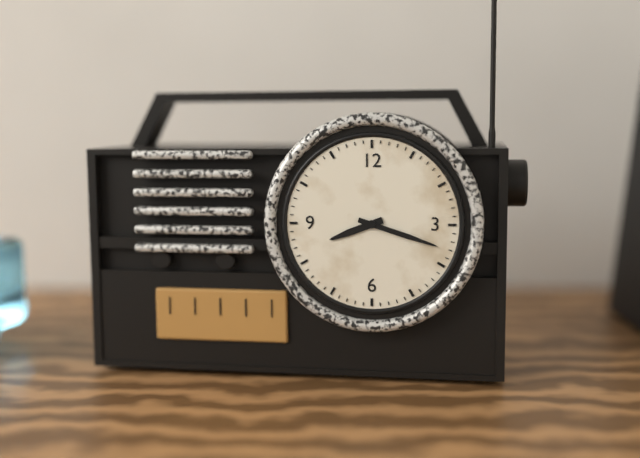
8:18
